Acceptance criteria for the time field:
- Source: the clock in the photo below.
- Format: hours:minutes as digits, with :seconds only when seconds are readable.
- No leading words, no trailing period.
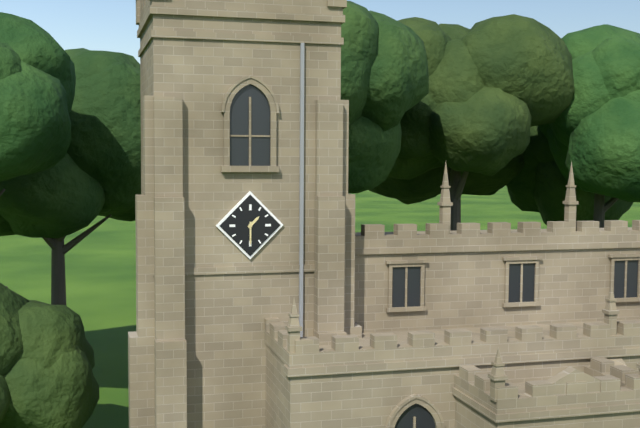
1:30
